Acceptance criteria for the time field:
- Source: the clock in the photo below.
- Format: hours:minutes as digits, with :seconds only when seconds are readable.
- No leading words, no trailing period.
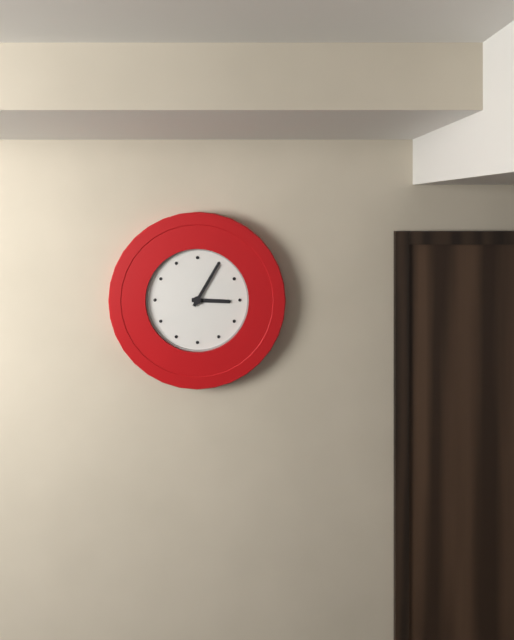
3:05
